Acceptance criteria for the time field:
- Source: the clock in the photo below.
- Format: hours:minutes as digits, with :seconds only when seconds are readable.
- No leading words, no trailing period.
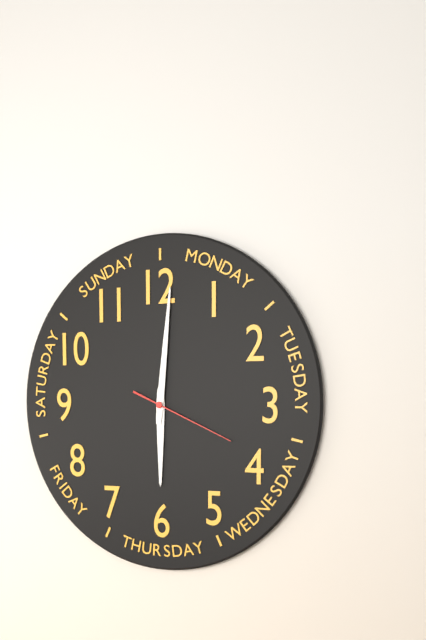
6:01:19
